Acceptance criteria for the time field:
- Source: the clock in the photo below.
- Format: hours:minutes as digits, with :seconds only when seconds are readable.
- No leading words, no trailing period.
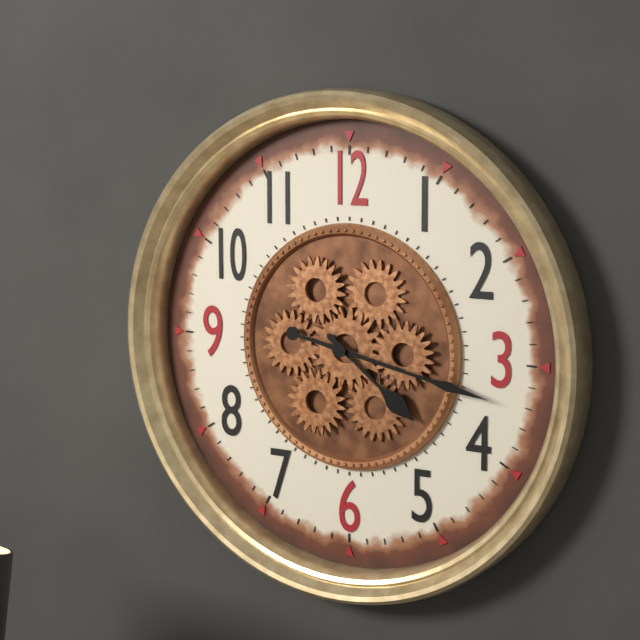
4:17
